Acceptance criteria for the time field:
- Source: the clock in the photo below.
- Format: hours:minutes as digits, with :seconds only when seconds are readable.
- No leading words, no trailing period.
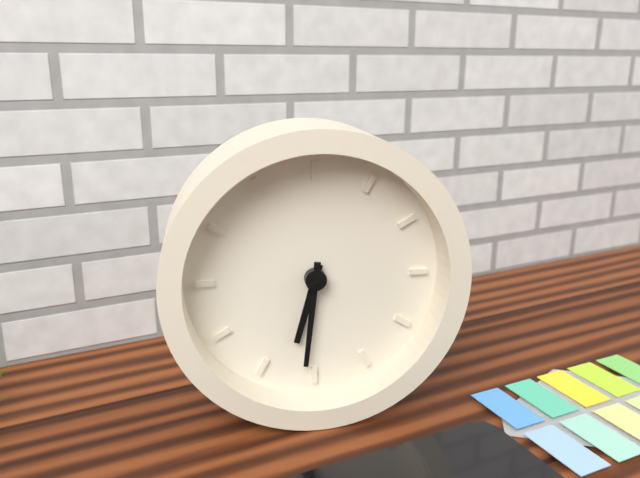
6:31
